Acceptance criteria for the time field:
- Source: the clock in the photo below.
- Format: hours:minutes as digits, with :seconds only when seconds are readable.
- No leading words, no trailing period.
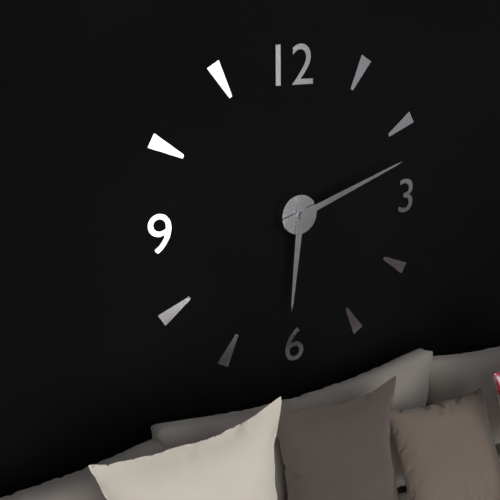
6:12
